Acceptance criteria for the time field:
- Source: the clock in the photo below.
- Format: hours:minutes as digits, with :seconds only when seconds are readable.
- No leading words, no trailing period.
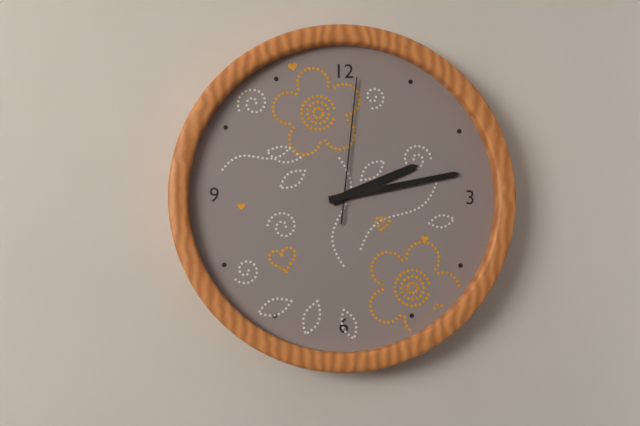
2:13:01
